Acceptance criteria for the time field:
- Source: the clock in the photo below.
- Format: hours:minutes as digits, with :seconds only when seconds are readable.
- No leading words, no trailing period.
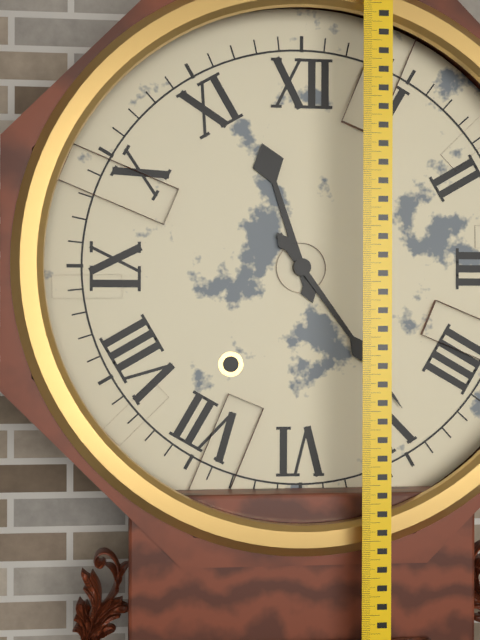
11:24
